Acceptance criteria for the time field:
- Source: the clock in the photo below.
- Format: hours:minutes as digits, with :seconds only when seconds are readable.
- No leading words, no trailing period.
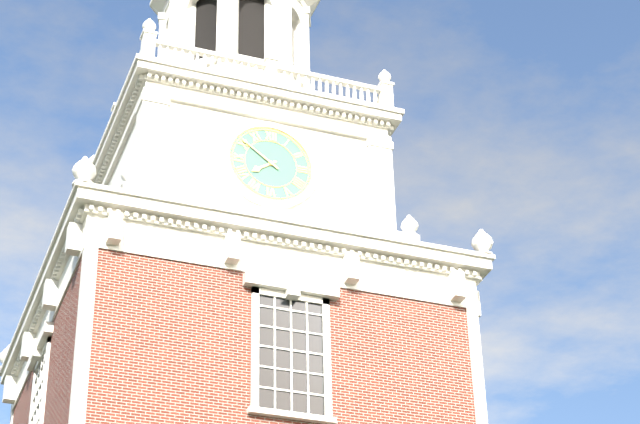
7:51
